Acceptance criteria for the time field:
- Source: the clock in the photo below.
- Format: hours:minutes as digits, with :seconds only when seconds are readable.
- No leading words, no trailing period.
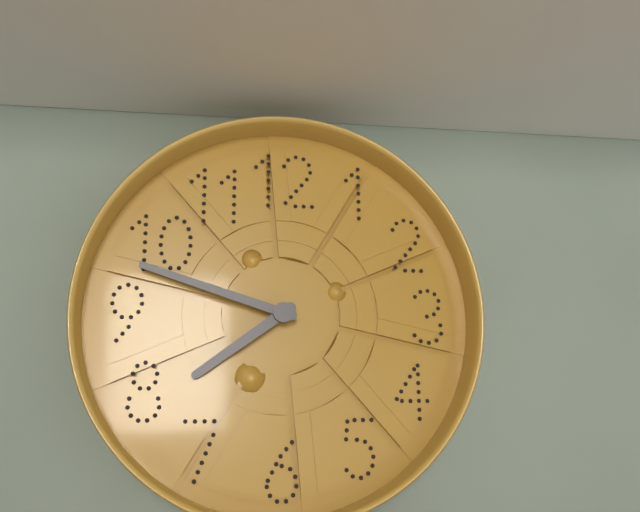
7:48
